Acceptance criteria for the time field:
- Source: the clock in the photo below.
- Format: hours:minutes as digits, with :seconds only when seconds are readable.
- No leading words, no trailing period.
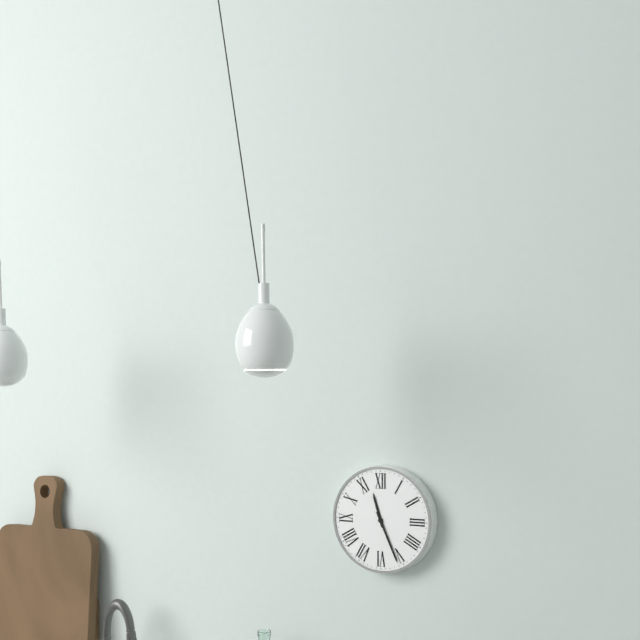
11:26
